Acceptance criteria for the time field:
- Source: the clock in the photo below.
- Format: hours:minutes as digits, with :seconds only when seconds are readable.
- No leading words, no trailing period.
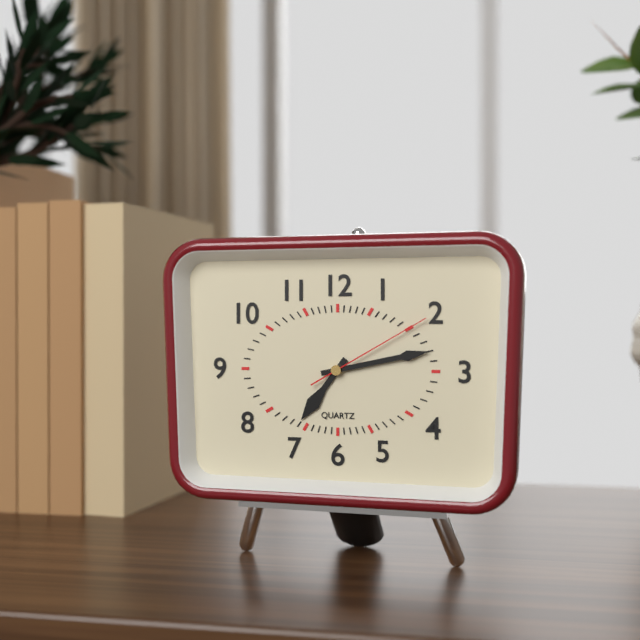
7:13:10
